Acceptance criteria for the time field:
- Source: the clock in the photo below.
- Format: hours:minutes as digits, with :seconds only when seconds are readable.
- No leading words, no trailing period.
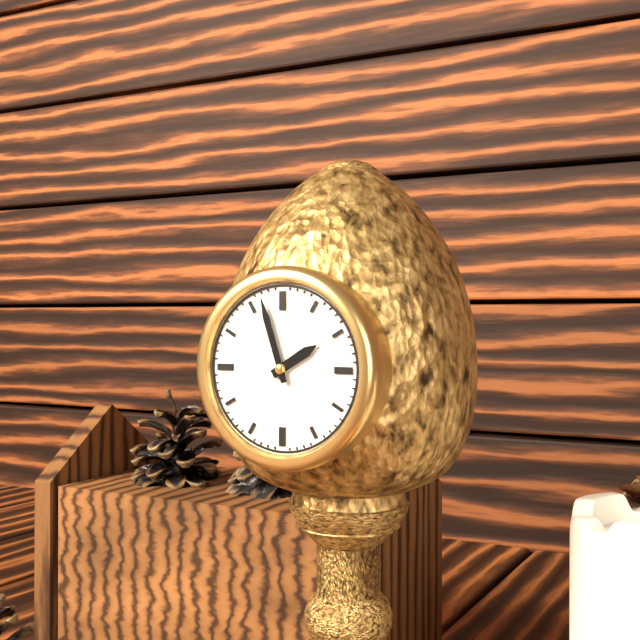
1:57
